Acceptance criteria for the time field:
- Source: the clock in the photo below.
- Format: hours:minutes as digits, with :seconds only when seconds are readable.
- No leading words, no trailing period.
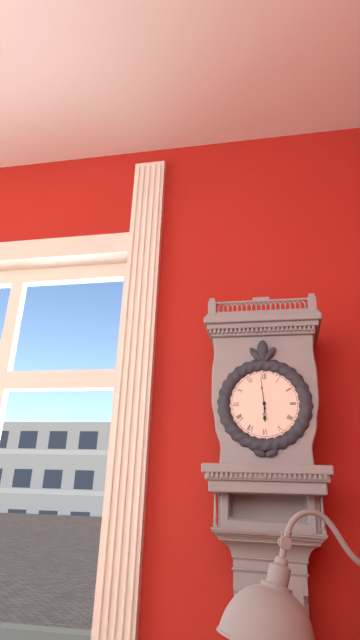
5:59
